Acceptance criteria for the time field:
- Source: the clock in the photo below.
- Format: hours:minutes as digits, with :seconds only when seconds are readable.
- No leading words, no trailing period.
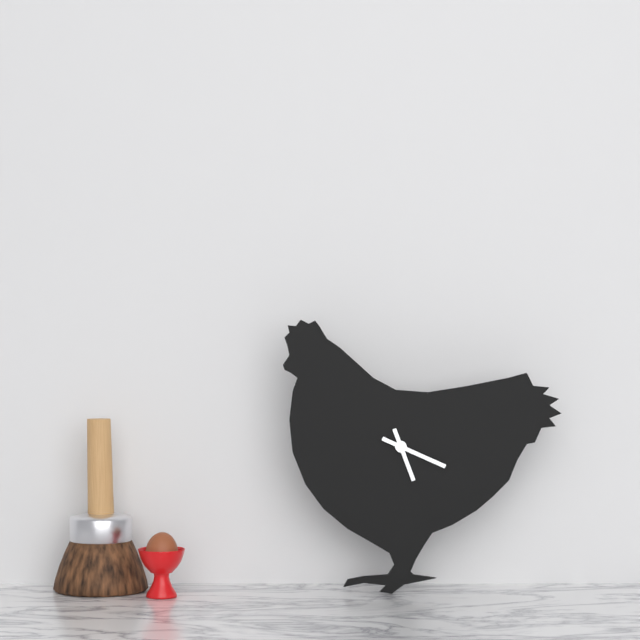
5:19
